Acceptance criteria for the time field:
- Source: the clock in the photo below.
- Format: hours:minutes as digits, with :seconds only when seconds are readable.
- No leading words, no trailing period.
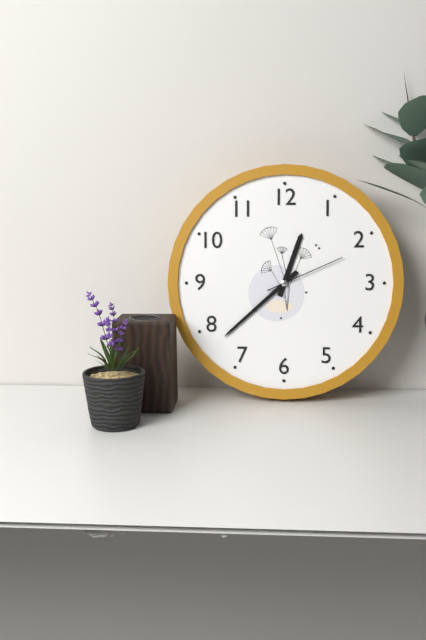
12:38:11
